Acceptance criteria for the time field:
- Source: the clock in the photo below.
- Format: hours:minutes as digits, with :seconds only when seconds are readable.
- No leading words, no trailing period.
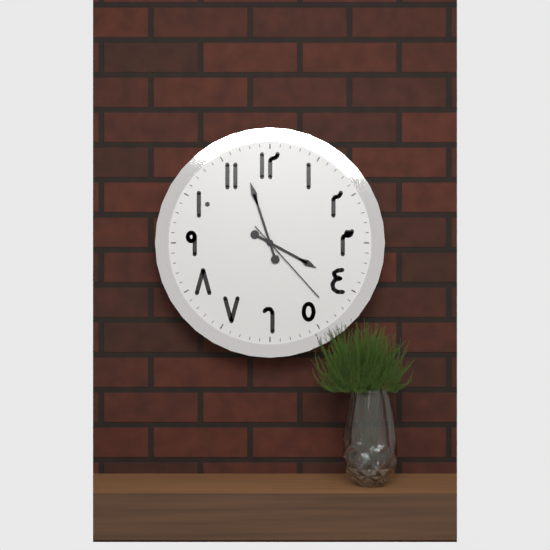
3:57:23
